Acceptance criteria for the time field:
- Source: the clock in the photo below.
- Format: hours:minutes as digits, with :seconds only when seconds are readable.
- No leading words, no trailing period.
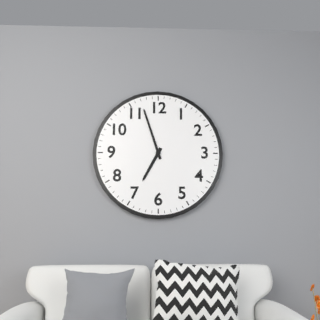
6:57
